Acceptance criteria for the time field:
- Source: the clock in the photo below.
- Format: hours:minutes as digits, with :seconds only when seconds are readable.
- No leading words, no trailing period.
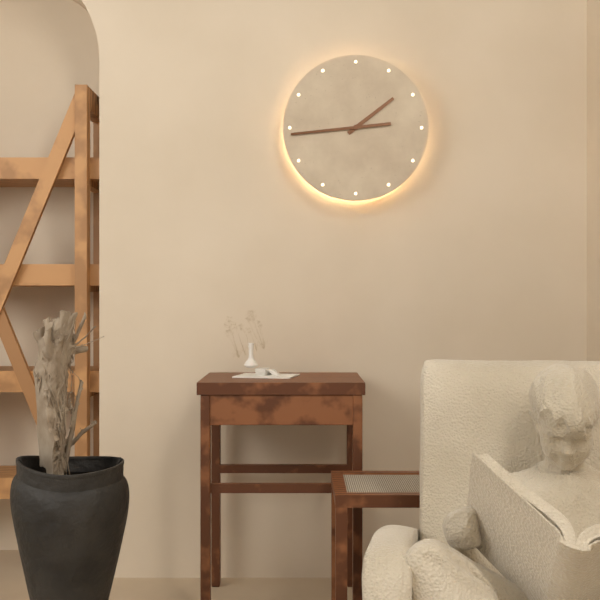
1:44
